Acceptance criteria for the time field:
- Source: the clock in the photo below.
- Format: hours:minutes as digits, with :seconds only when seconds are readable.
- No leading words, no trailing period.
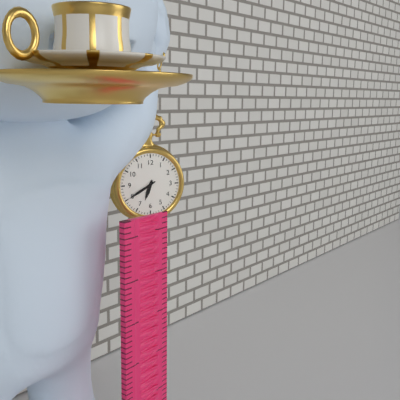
6:40
